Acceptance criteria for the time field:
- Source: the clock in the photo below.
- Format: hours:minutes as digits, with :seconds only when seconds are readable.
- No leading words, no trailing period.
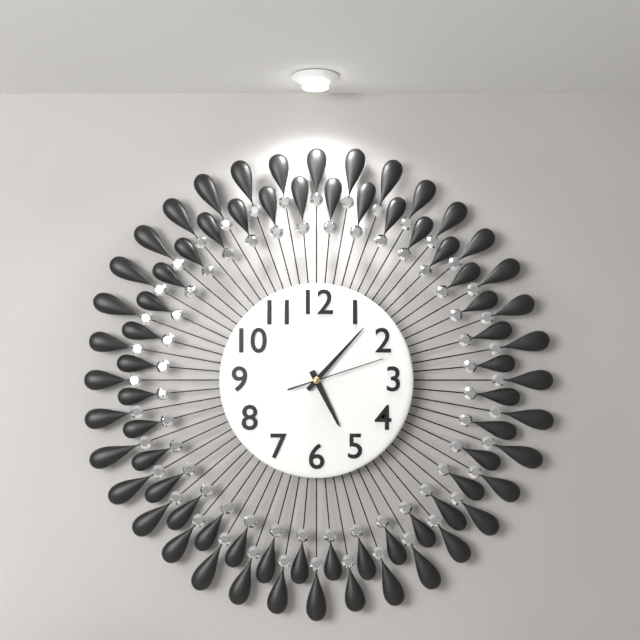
5:07:12
